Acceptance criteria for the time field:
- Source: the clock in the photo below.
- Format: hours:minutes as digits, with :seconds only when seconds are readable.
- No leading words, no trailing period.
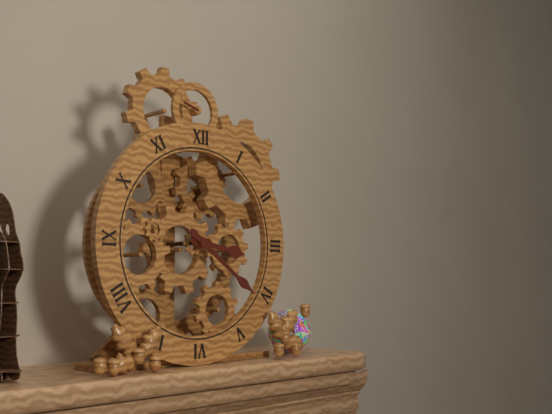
3:21
